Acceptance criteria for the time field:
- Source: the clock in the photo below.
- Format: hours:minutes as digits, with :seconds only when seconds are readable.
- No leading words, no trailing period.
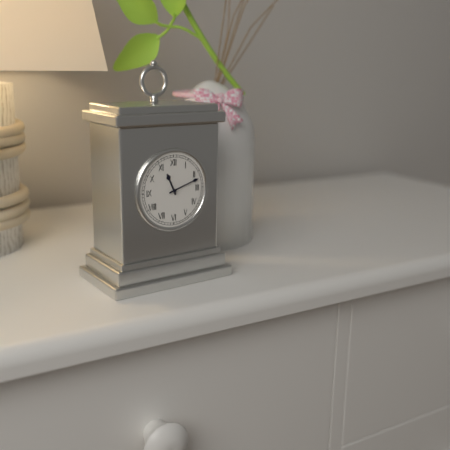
11:12
